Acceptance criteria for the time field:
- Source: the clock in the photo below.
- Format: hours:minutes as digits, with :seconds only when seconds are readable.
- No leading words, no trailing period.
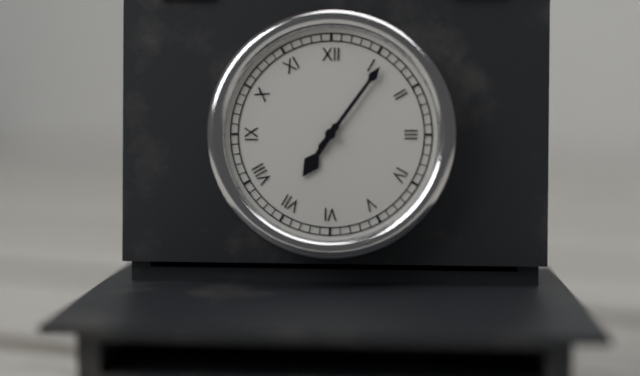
7:06
